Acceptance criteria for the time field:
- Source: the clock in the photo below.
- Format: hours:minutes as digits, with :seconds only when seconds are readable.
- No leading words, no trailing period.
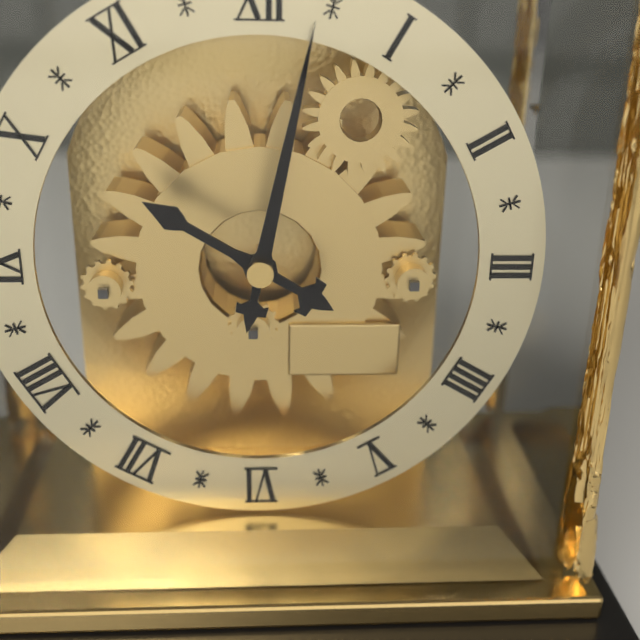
10:02
